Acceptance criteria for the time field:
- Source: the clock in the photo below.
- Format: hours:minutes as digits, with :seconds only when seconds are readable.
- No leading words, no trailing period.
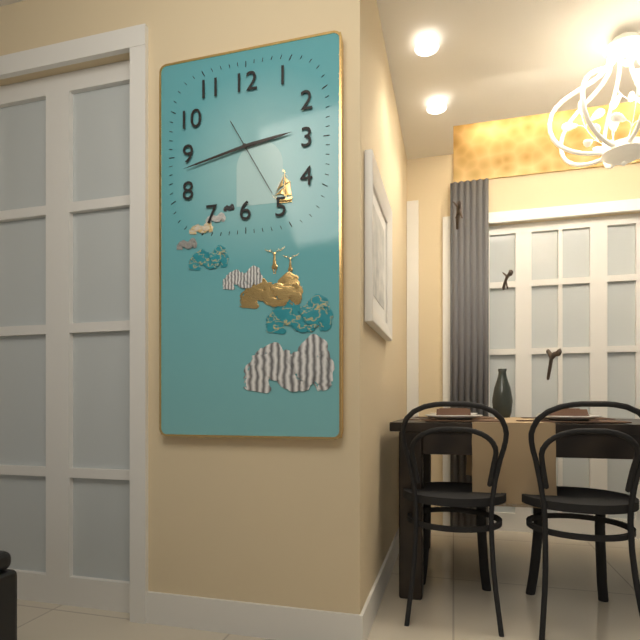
2:43:25
